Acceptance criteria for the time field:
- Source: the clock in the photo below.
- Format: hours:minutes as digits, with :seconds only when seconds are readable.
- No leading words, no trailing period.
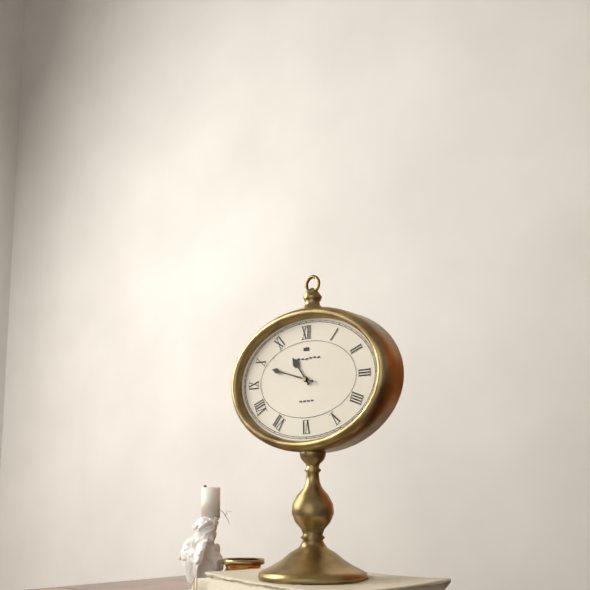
10:48
